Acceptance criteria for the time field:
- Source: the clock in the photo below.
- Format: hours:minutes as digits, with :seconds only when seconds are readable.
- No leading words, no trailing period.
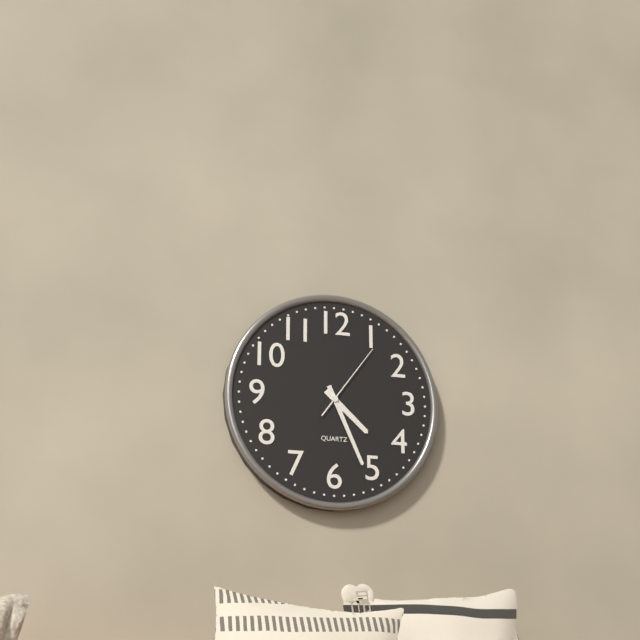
4:26:06
